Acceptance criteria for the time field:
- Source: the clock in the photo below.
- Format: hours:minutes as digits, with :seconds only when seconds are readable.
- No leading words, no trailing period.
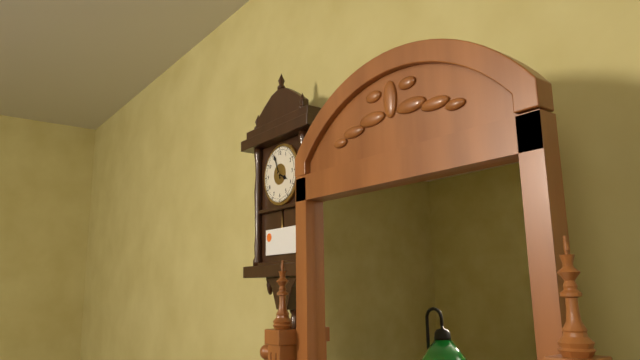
3:56
